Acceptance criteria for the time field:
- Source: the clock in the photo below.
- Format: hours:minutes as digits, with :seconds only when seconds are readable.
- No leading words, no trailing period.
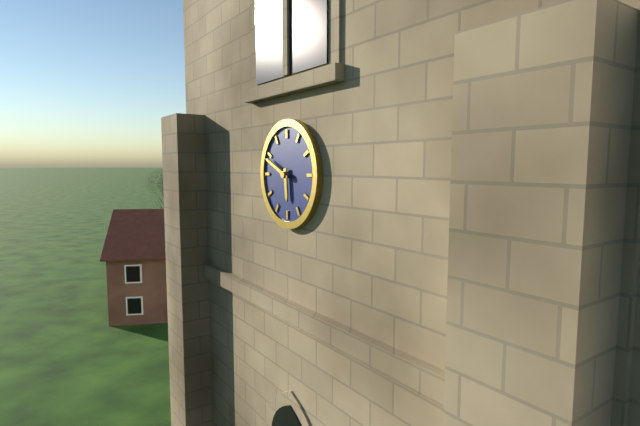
5:49
